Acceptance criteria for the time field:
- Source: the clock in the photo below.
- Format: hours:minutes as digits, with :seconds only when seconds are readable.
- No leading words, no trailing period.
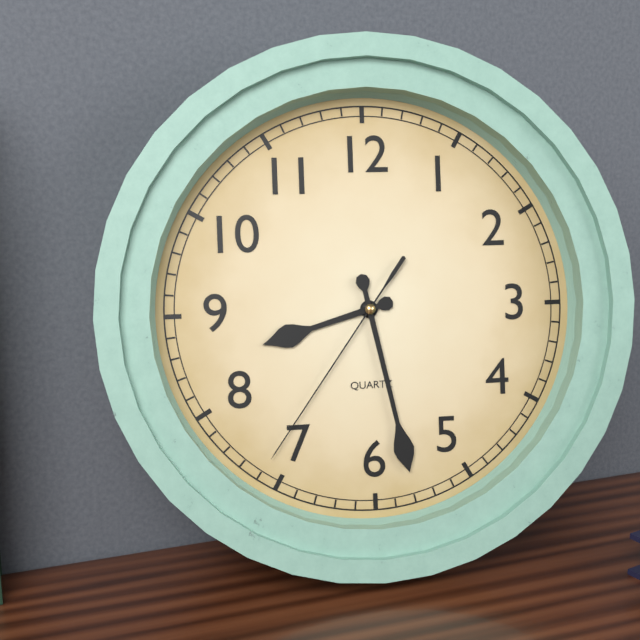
8:28:36
